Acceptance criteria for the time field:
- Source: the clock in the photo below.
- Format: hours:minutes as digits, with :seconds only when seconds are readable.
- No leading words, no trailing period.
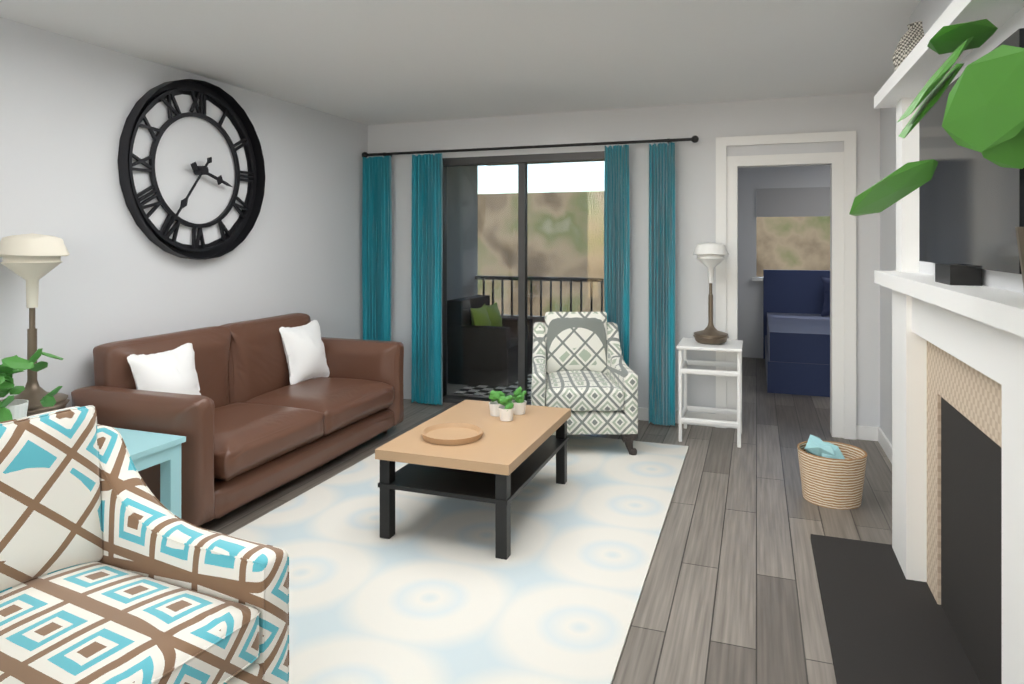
3:36
